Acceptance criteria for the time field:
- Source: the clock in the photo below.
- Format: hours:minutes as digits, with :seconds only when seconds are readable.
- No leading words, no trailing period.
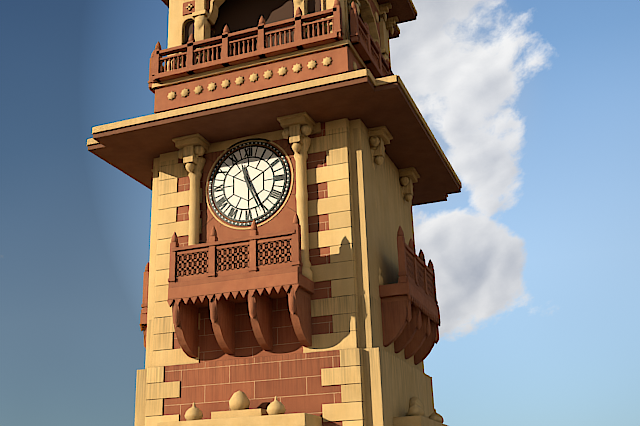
11:26
